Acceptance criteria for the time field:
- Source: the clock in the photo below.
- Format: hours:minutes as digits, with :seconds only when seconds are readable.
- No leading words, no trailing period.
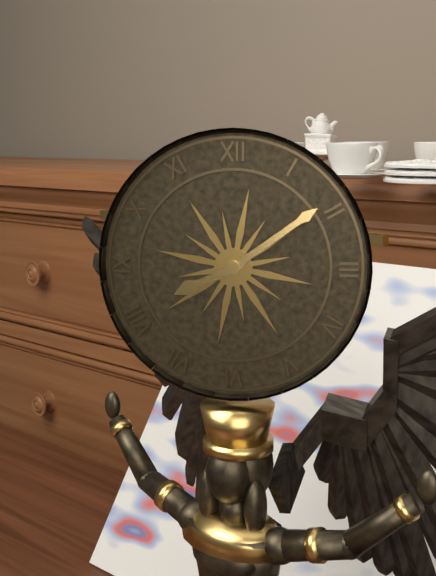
8:09
